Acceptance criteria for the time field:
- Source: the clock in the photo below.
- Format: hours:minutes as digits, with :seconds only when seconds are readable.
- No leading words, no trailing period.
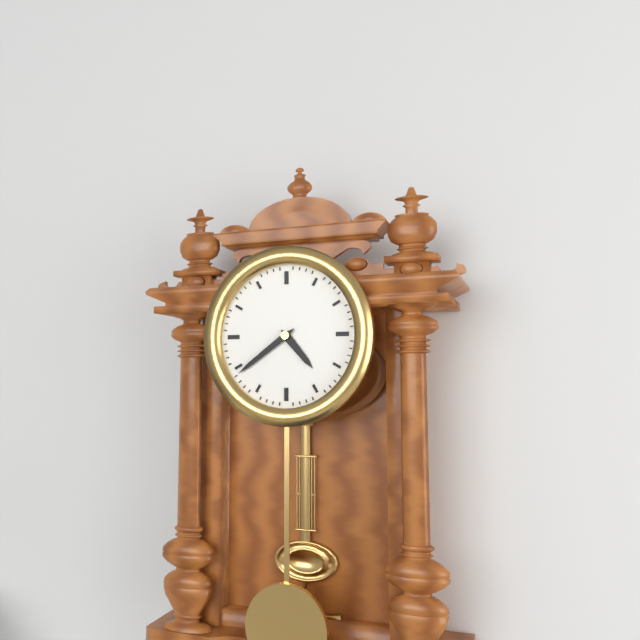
4:39
